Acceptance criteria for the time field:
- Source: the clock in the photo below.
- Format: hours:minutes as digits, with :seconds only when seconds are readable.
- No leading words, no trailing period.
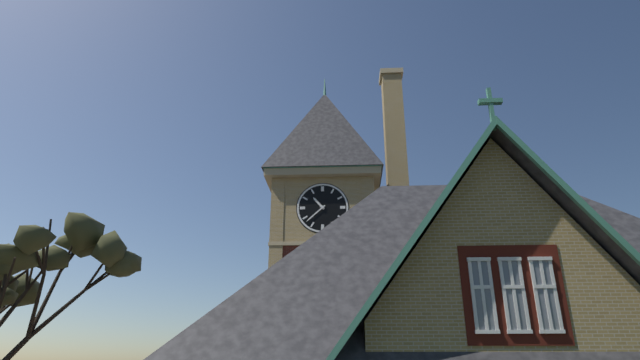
10:38
